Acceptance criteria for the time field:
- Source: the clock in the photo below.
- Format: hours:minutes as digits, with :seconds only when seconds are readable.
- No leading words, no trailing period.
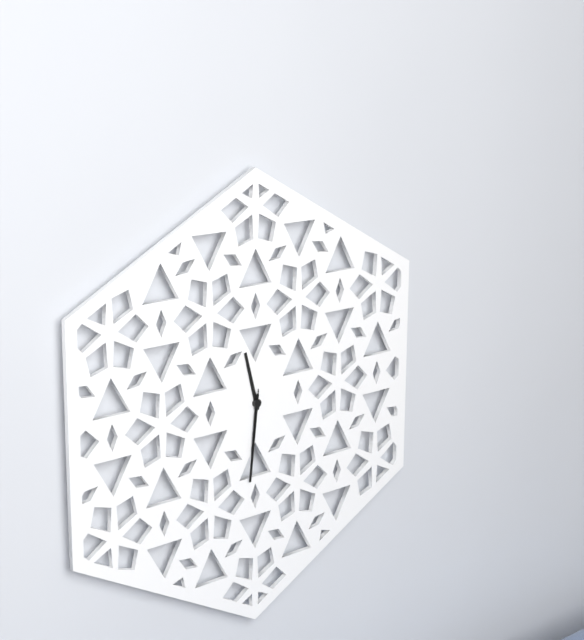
11:31:31
